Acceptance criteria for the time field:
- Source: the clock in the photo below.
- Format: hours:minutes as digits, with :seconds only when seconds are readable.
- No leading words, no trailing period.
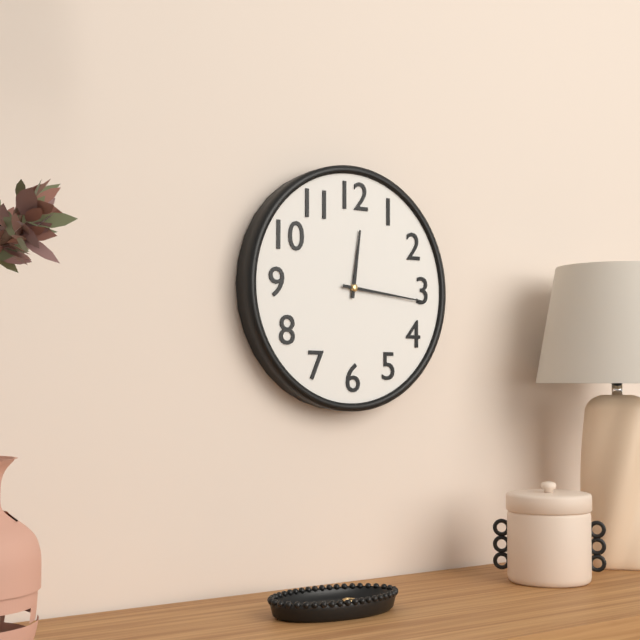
12:16
